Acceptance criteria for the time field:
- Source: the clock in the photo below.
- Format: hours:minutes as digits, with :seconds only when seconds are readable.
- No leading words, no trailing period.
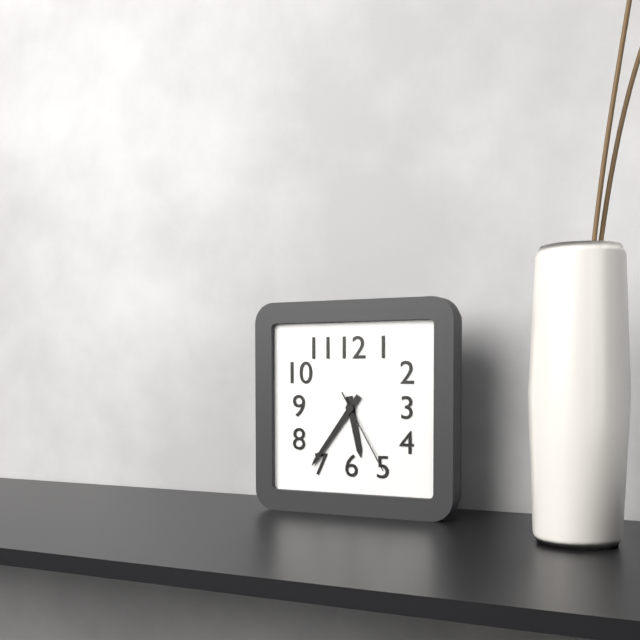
5:36:25
